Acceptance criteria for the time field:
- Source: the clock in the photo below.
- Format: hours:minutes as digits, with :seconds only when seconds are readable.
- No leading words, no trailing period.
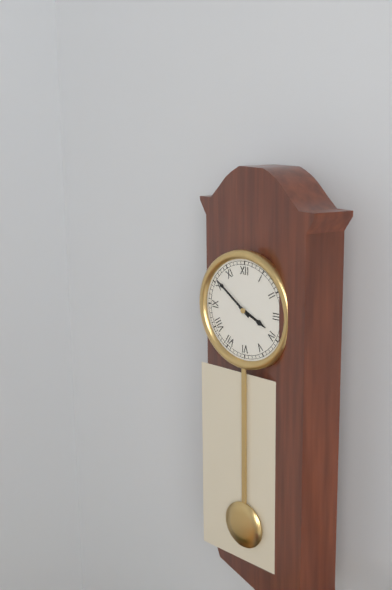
3:51
